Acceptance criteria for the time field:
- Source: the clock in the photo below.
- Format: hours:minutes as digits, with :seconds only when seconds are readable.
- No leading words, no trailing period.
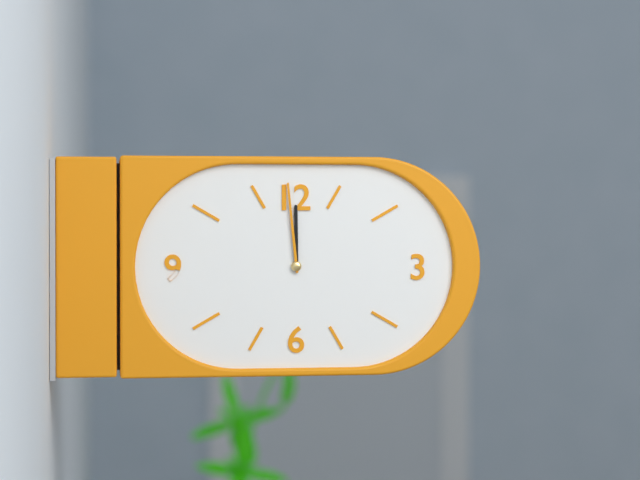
11:59
